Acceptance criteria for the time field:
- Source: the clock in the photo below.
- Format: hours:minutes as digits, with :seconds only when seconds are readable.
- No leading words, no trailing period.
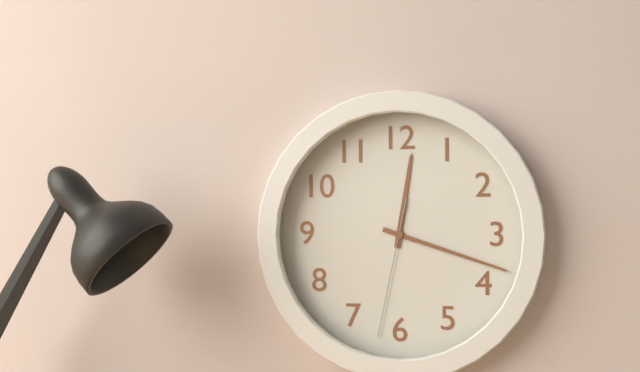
12:18:32
